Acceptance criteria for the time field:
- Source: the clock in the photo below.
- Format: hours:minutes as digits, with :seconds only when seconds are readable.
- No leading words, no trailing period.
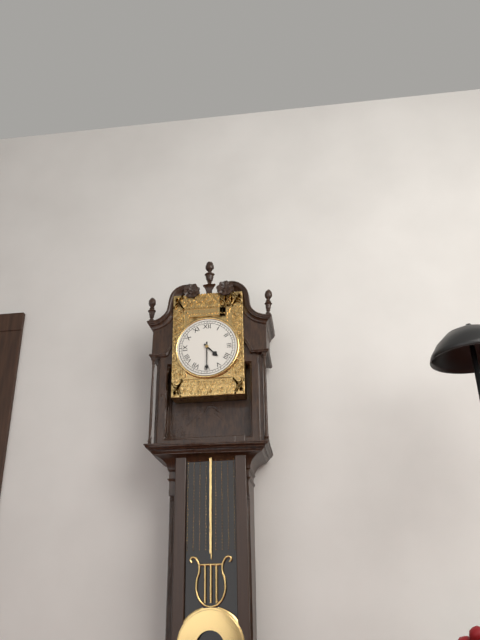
4:30
